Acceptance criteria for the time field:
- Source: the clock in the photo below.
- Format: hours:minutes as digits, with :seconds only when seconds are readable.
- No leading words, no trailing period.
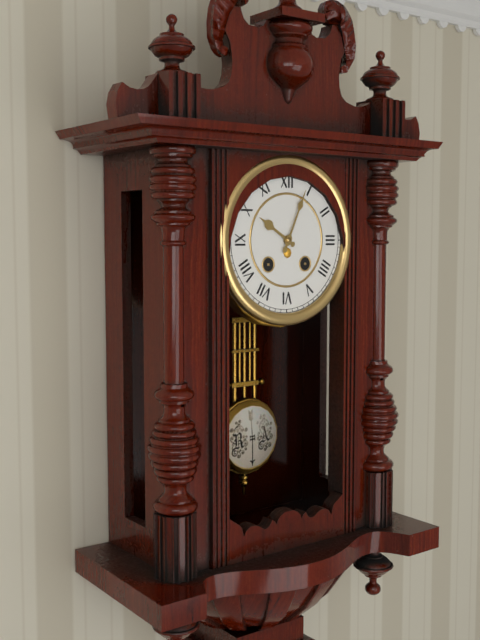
10:04
